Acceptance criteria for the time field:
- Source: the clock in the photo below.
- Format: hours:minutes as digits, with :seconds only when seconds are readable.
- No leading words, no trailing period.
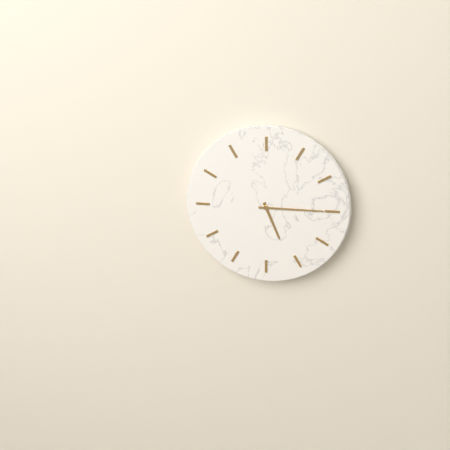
5:15
